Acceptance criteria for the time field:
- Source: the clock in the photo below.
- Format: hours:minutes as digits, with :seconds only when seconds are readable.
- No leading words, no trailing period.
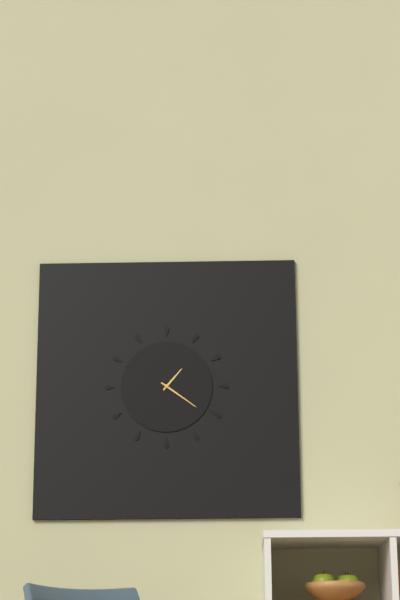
1:21
